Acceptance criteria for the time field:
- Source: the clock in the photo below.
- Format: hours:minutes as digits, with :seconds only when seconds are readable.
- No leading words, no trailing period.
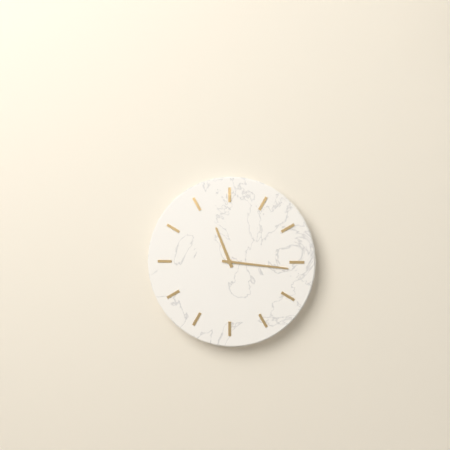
11:16
